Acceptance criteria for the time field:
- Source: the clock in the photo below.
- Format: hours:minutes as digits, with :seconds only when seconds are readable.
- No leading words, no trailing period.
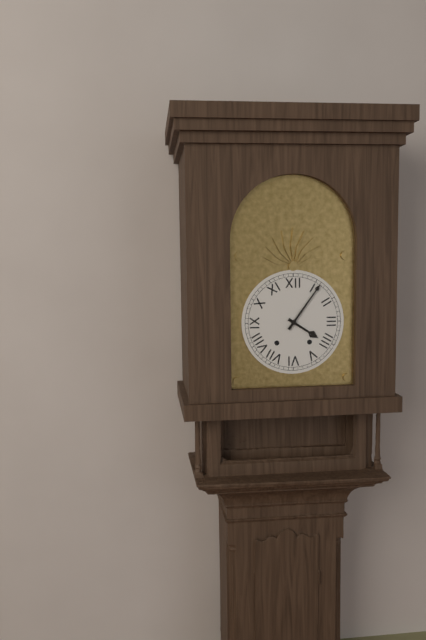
4:06
